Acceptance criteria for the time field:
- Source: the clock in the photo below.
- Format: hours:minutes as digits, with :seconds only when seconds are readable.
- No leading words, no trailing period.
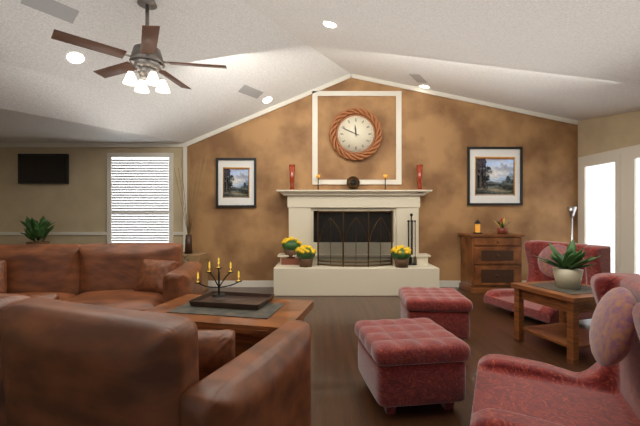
11:49
